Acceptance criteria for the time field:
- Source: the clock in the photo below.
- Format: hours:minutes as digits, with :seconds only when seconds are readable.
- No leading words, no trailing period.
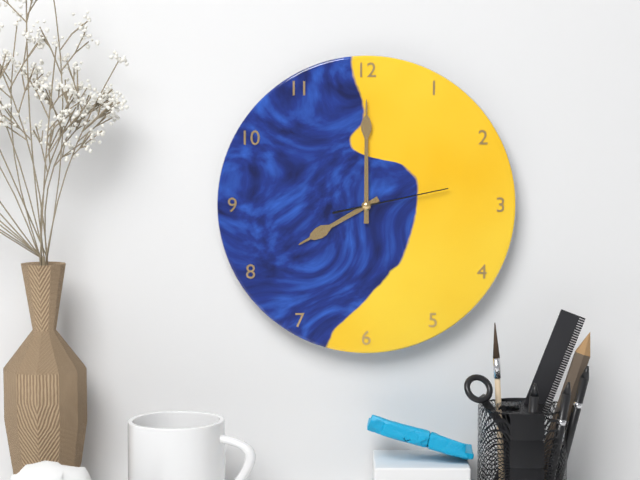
8:00:13
